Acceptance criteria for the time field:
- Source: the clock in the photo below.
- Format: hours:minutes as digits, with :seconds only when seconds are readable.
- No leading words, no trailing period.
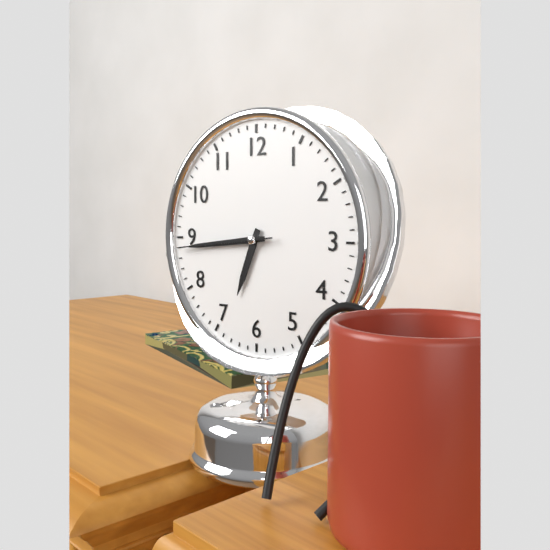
6:44:44
